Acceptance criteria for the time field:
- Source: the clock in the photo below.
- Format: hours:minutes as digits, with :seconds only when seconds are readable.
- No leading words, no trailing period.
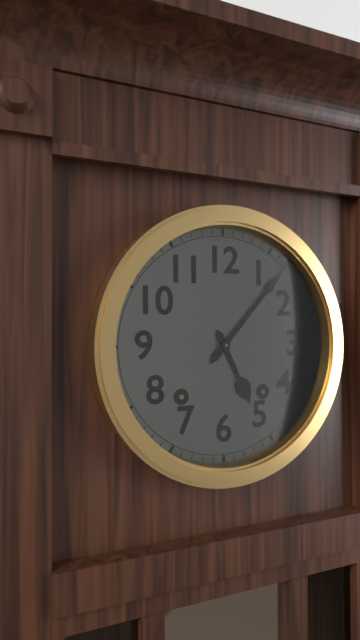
5:07
